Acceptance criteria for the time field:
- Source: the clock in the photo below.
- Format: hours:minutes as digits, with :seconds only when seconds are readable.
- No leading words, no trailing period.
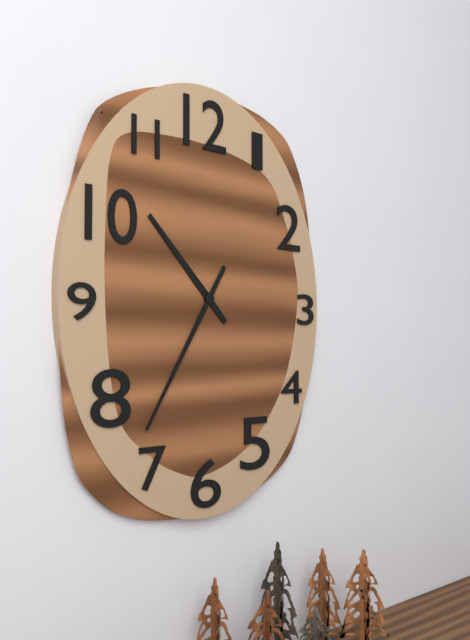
10:35
